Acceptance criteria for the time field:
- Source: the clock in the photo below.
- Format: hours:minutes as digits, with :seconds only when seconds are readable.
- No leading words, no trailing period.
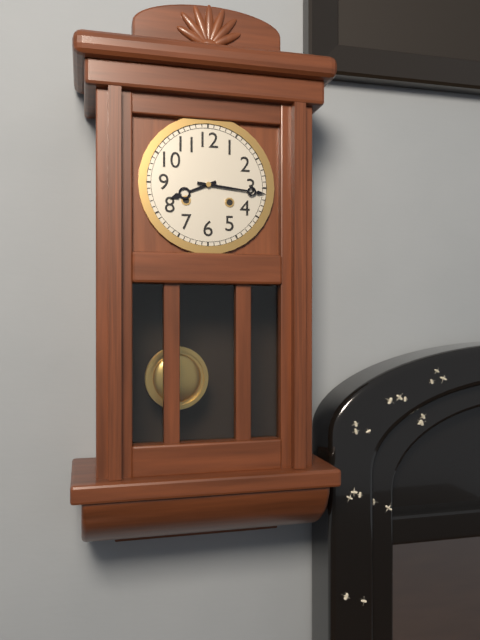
8:16
